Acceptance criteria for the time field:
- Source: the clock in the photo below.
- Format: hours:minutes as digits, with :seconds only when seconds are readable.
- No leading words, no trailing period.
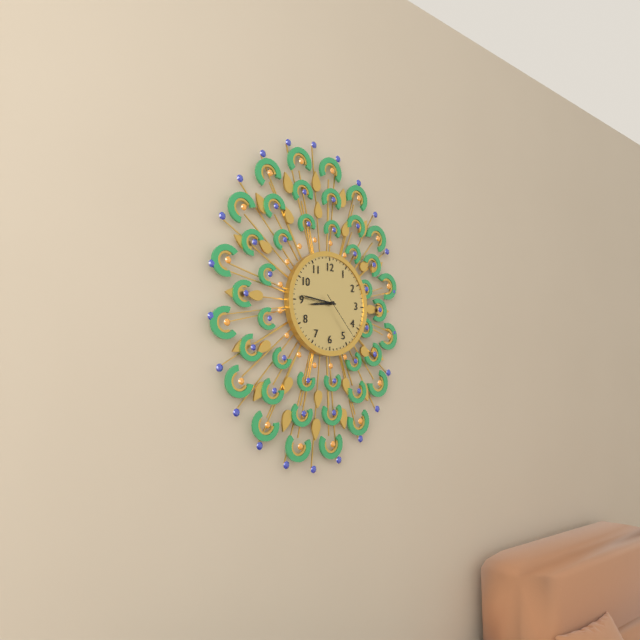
8:46:23
